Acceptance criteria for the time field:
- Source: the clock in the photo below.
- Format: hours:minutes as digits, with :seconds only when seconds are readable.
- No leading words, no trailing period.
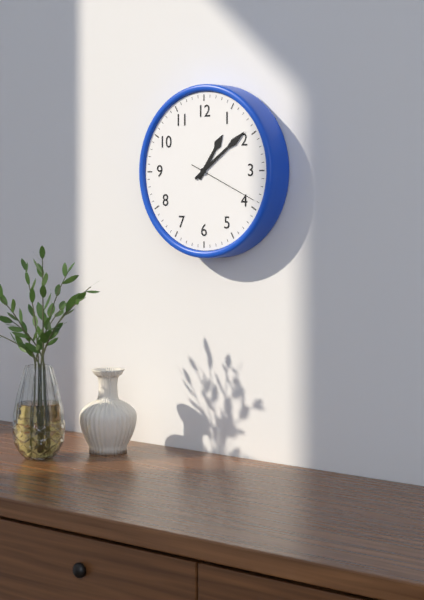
1:09:19
